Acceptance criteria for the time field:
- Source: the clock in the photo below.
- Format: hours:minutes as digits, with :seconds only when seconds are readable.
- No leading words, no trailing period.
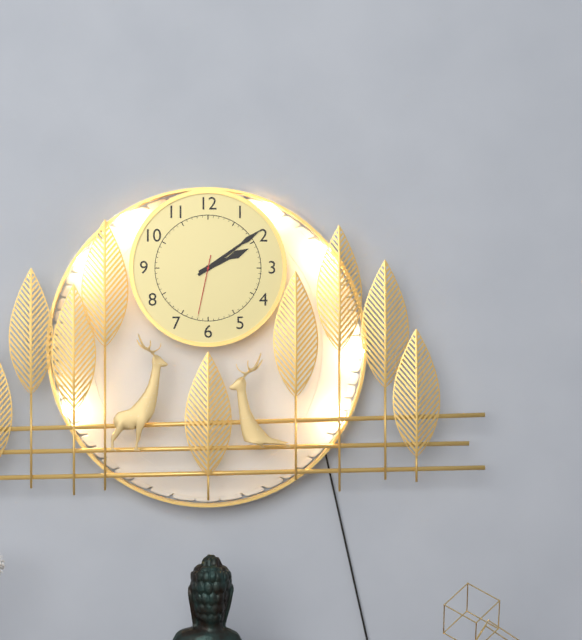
2:09:32
